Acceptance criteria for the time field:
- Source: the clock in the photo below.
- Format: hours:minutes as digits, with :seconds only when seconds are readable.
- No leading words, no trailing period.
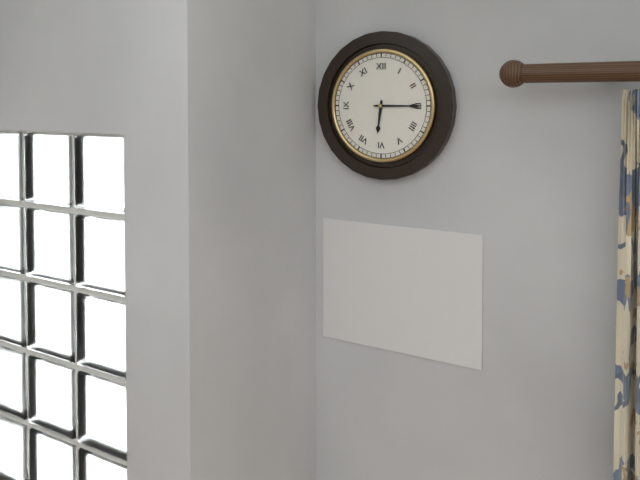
6:15
